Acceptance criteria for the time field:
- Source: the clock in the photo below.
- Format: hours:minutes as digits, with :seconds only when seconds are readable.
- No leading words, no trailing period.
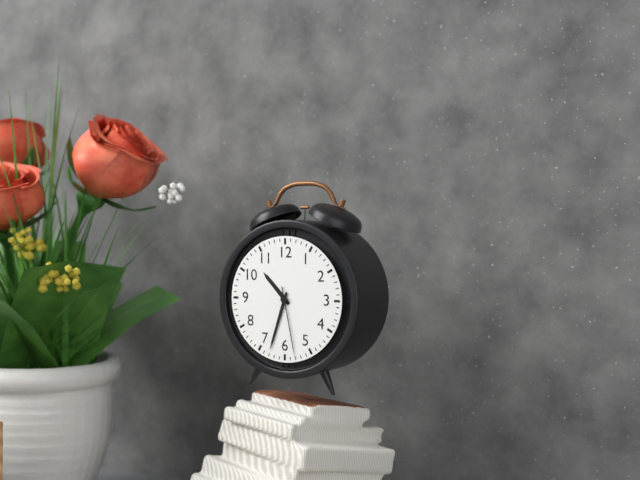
10:33:28
